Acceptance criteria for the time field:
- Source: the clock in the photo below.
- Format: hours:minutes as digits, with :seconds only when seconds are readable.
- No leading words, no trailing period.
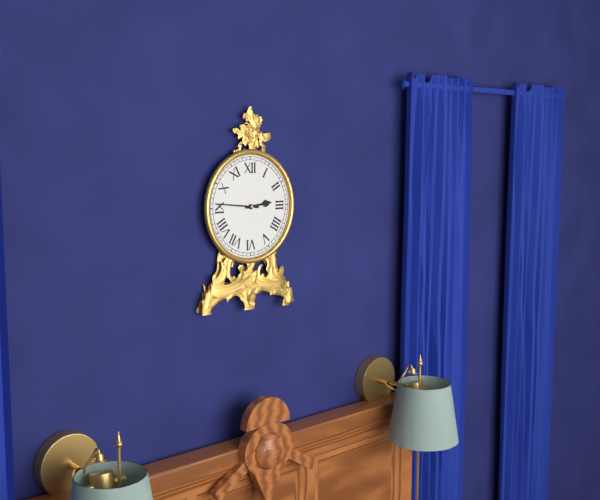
2:46
